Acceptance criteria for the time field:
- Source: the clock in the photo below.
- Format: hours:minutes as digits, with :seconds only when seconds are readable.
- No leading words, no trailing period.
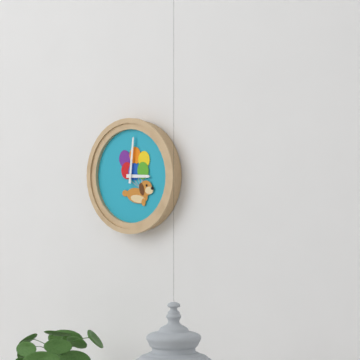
3:01
